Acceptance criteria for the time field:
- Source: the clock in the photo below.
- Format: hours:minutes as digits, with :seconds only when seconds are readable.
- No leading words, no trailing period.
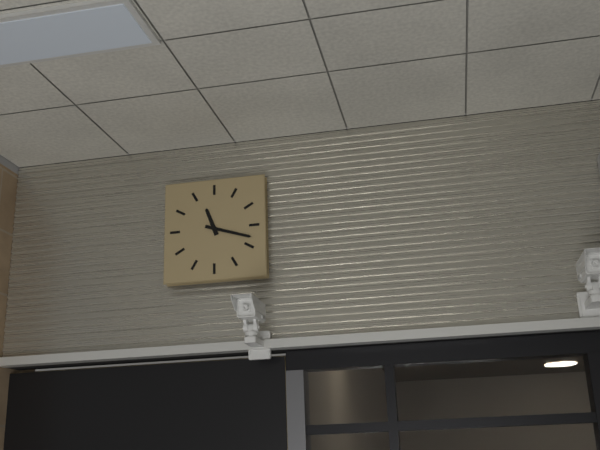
11:18
